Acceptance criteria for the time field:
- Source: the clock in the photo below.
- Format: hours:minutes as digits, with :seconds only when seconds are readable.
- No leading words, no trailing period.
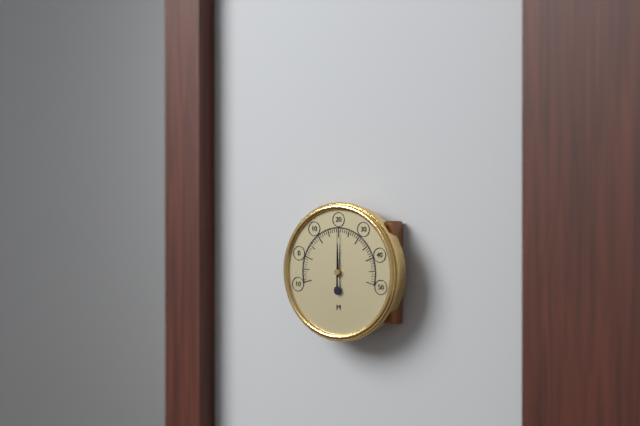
12:00
